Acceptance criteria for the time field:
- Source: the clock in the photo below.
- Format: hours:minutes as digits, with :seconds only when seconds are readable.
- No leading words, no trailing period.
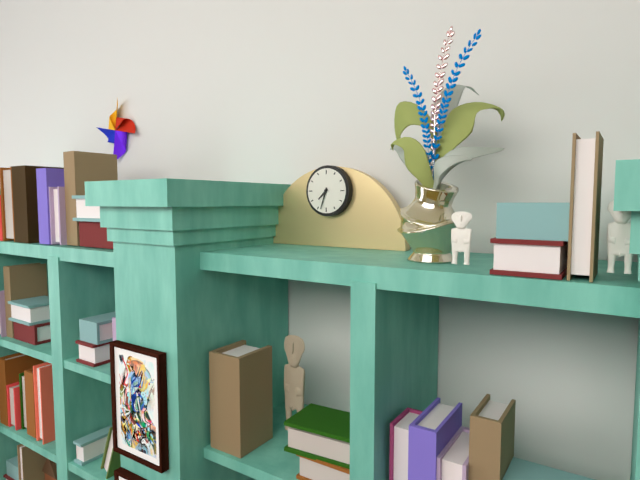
7:33
